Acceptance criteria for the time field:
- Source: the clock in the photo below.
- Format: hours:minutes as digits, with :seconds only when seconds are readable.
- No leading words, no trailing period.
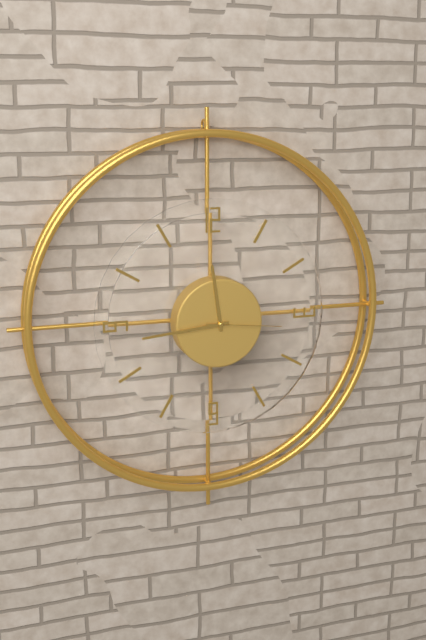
11:44:16
